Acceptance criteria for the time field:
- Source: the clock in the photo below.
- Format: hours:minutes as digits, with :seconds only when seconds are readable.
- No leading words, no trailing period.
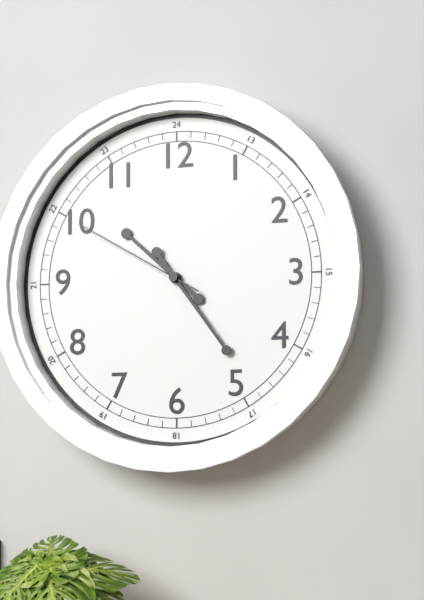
10:24:50
